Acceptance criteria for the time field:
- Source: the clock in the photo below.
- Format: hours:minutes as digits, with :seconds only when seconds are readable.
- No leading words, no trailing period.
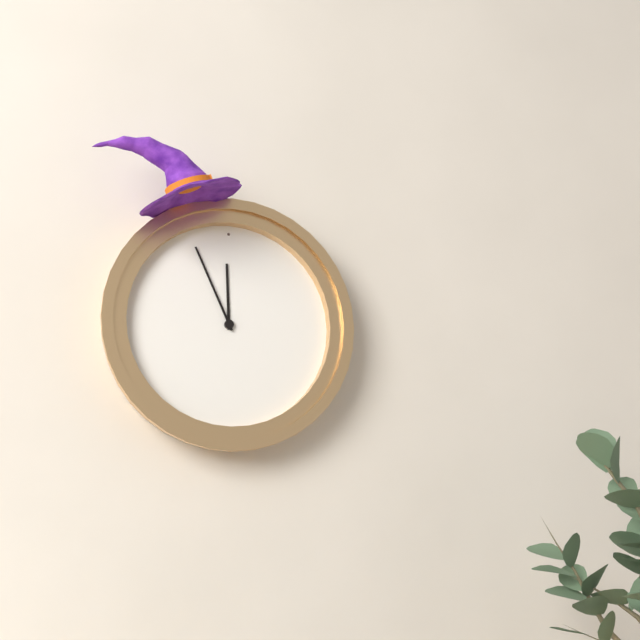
11:56
